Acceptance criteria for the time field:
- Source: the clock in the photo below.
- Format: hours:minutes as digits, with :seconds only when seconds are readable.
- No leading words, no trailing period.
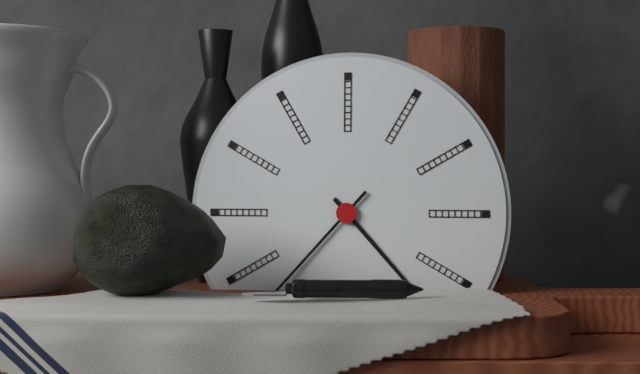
4:37
